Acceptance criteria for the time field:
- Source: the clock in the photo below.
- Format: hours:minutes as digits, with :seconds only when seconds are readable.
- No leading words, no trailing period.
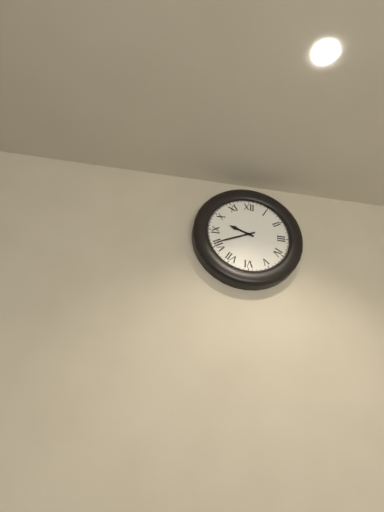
9:41
